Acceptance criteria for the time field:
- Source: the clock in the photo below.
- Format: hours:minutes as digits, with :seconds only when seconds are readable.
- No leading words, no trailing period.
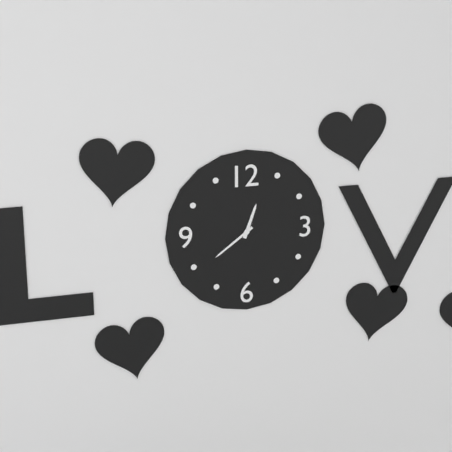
12:39
